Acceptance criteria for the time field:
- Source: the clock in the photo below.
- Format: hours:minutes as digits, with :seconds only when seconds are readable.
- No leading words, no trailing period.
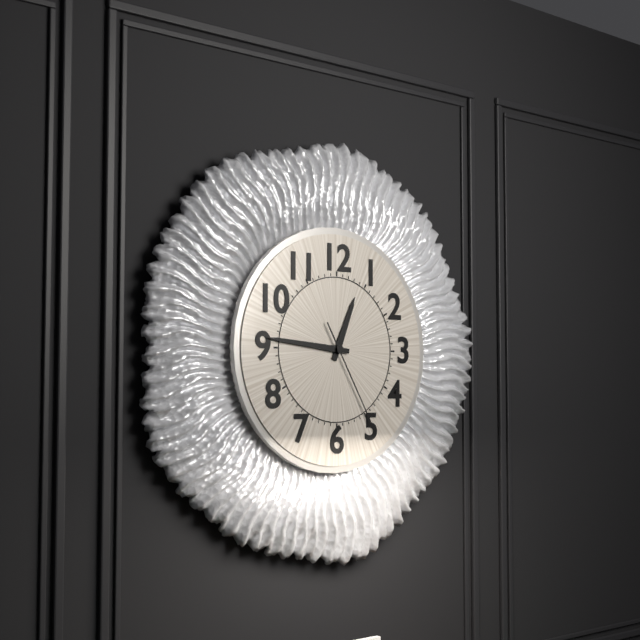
12:46:25
